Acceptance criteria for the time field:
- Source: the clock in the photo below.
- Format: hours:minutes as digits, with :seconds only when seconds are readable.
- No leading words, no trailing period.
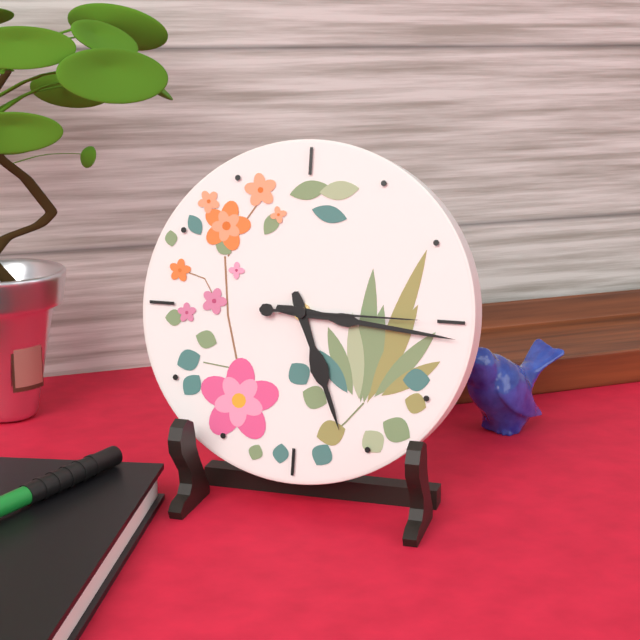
5:16:15
